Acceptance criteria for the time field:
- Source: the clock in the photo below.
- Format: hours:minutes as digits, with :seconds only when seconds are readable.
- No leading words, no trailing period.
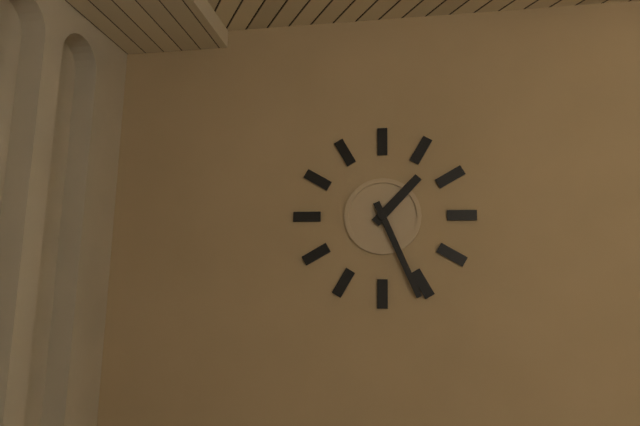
1:26
